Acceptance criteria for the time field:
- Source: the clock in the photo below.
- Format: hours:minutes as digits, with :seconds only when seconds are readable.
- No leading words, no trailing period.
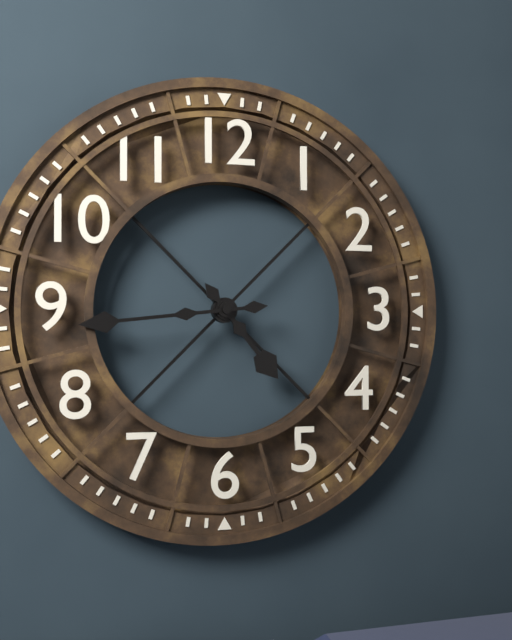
4:44
